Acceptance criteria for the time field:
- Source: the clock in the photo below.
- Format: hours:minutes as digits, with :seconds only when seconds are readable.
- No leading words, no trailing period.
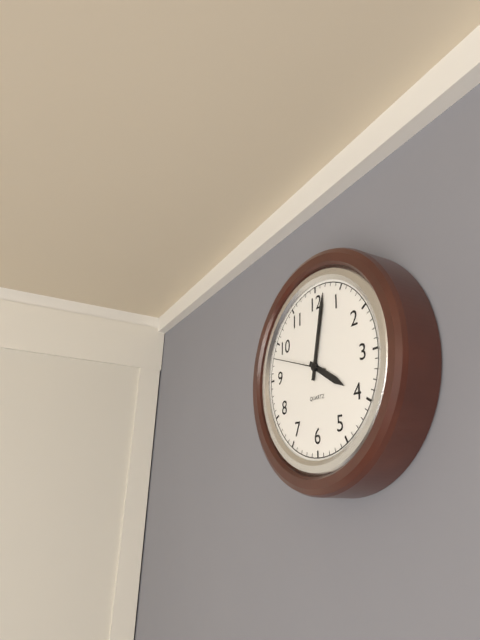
4:02:48
